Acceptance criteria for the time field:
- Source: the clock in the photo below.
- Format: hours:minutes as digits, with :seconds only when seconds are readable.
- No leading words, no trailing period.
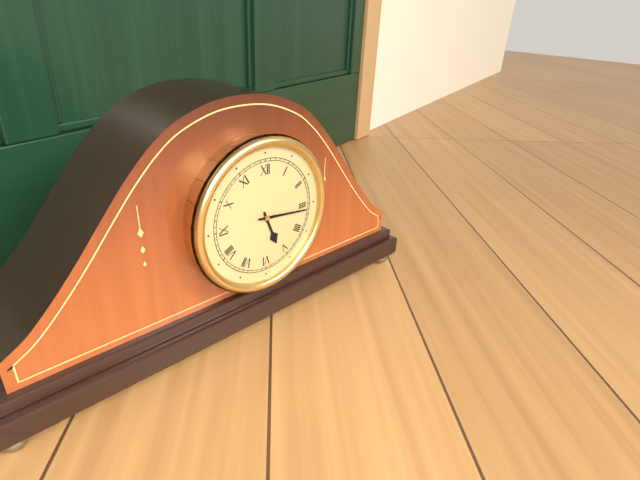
5:16
